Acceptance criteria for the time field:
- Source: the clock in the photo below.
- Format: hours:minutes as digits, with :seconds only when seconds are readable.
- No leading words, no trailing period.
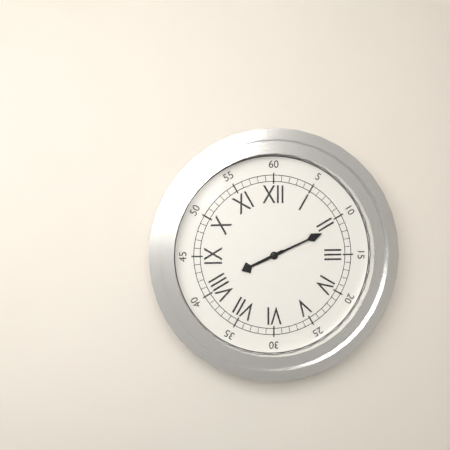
8:11
